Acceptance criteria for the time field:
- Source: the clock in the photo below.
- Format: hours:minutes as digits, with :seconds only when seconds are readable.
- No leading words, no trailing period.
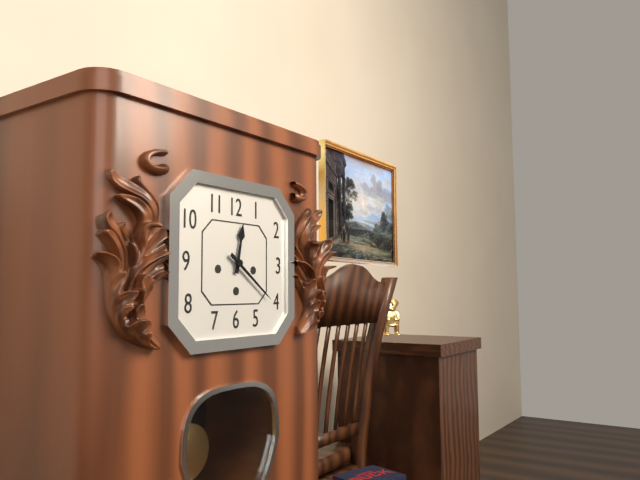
12:21
